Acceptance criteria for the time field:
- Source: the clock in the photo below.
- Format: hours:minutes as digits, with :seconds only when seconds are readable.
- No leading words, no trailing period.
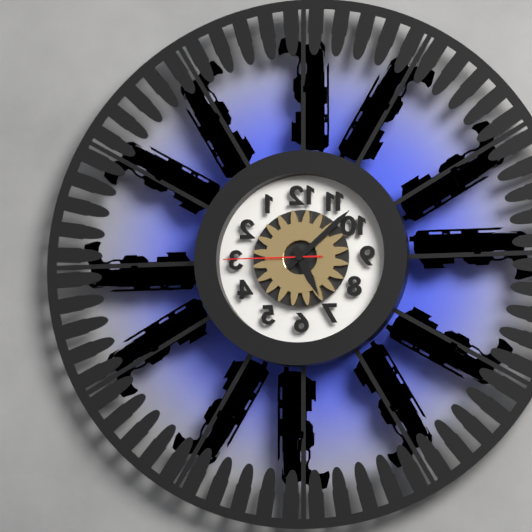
5:08:45
